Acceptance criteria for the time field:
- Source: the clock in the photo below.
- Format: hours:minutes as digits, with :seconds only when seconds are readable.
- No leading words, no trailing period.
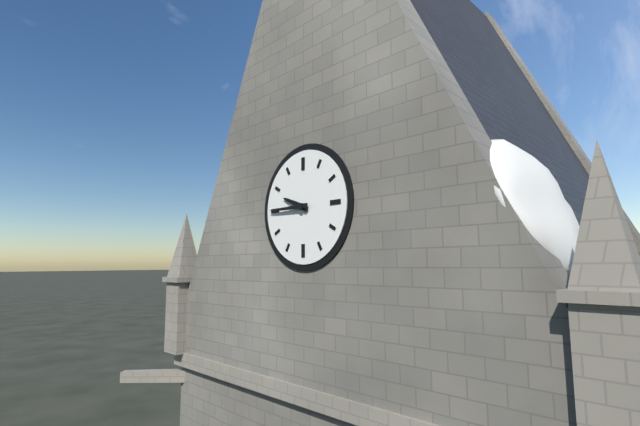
9:45
